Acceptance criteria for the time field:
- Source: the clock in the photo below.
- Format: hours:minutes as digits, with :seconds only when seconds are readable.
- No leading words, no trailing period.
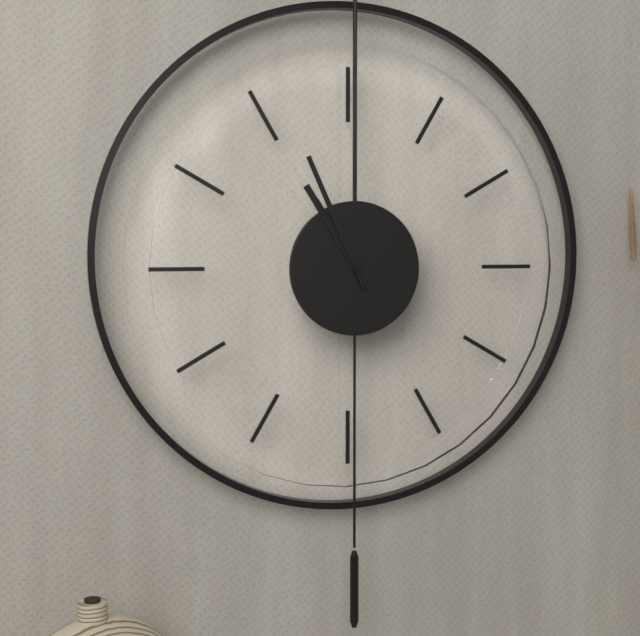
10:56:55
